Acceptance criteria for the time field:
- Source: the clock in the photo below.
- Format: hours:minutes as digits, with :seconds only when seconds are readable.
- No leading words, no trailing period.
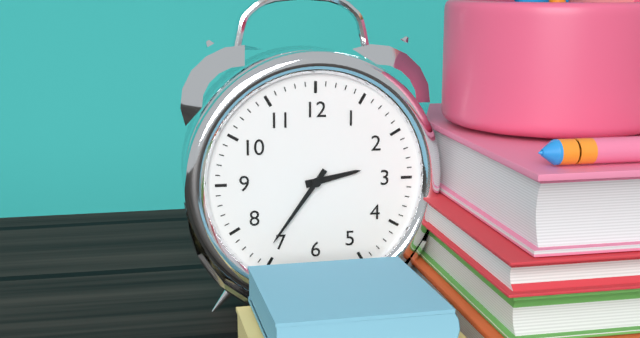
2:36
